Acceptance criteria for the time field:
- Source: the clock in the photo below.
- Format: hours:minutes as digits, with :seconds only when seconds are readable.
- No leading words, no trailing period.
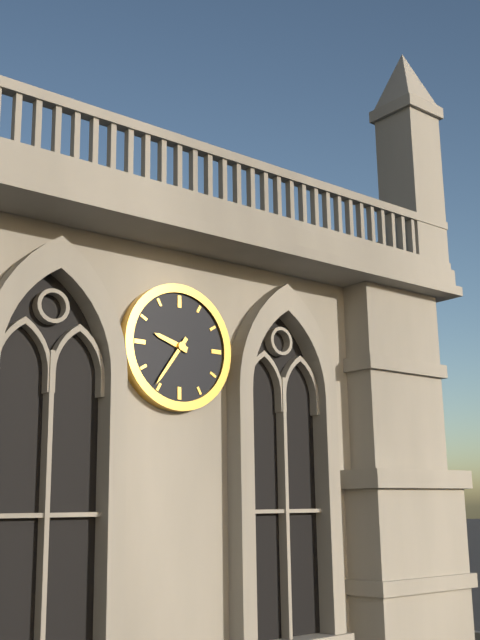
9:36
